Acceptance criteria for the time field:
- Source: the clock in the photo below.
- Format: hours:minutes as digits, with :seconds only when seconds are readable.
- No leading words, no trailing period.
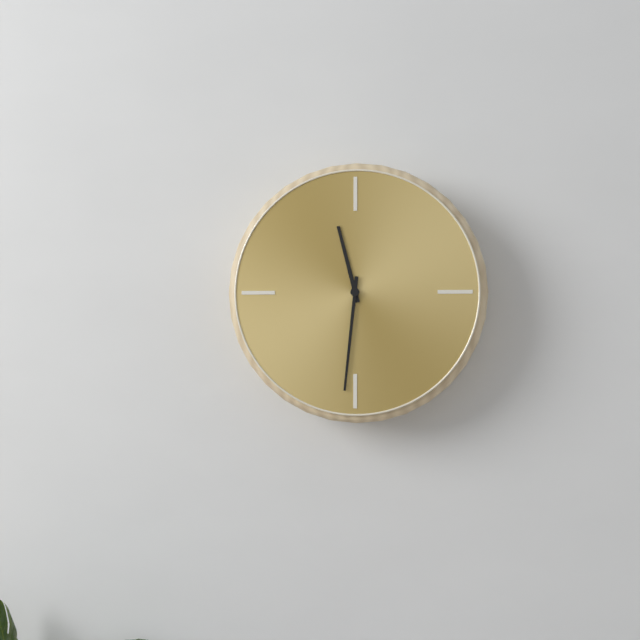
11:31
